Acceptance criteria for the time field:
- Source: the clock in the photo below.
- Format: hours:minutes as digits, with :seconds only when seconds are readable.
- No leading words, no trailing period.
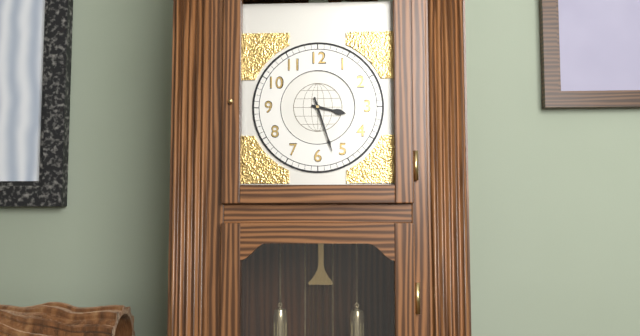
3:27
